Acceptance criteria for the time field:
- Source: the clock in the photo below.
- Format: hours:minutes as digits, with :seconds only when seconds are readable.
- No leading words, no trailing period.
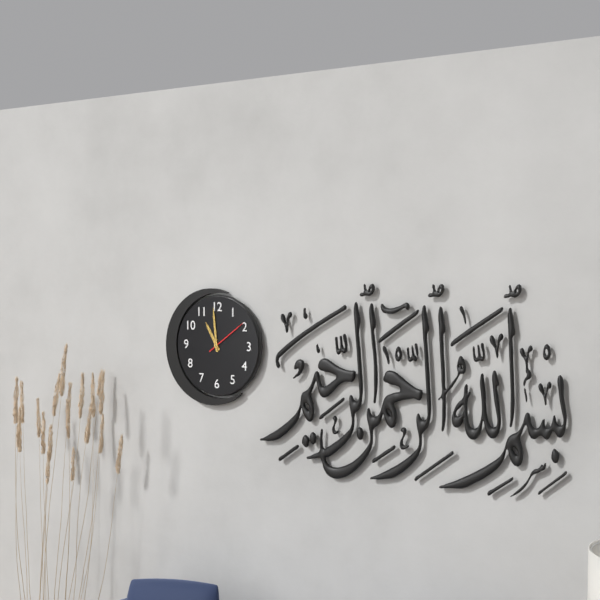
10:59
